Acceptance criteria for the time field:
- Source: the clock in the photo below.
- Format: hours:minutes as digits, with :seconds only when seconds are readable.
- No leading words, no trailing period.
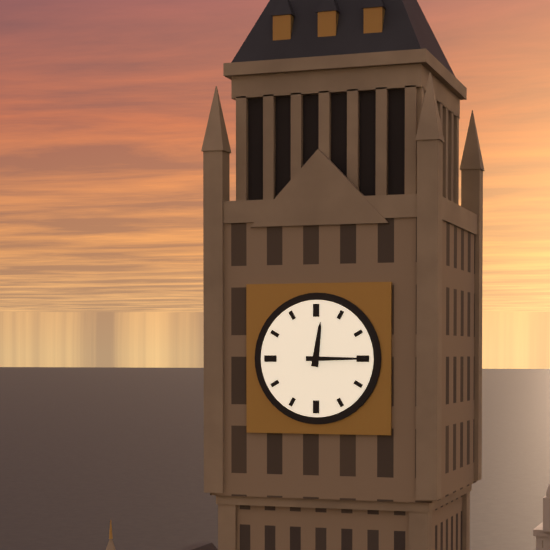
12:15
